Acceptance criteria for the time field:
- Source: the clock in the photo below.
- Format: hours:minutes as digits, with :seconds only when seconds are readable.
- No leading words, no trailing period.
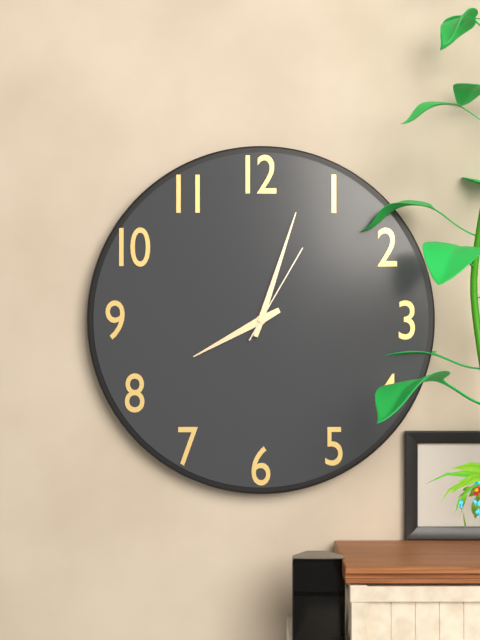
8:03:05
